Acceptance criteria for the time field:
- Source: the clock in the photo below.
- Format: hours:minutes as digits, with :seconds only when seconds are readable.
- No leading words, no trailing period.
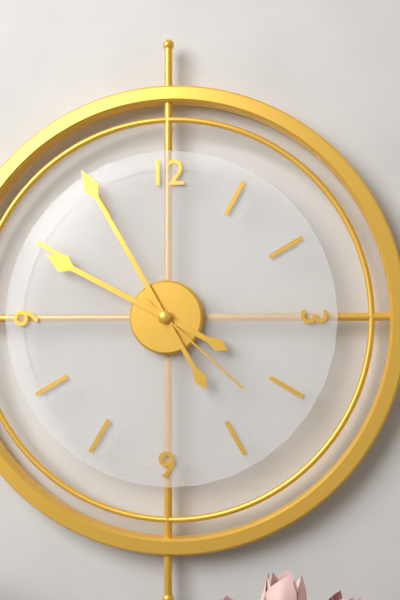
9:55:22
